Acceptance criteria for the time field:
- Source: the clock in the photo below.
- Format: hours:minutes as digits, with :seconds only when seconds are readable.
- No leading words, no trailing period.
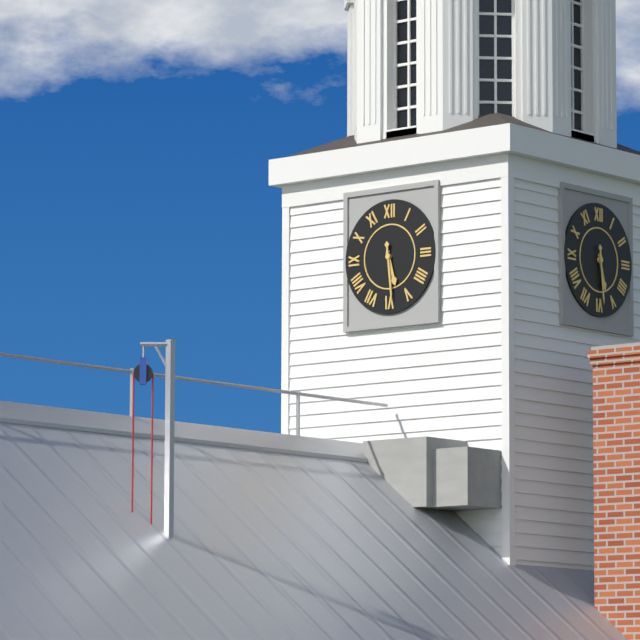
5:29
